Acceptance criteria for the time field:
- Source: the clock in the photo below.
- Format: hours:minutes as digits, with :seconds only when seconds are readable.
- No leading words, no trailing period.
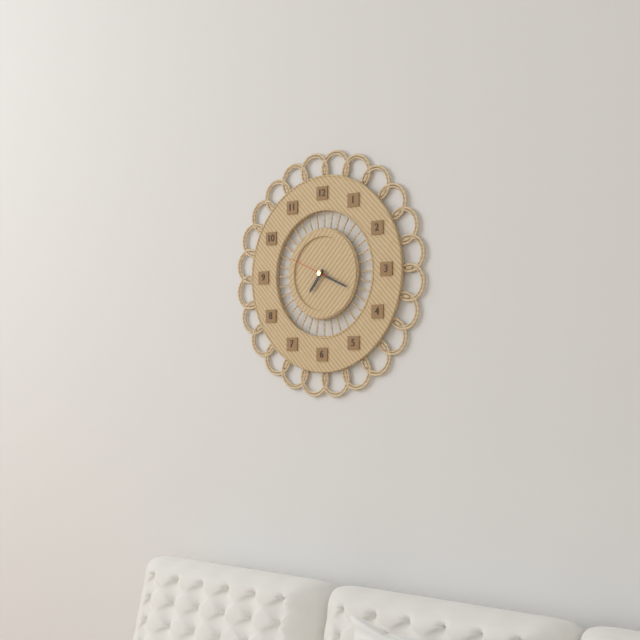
7:19
